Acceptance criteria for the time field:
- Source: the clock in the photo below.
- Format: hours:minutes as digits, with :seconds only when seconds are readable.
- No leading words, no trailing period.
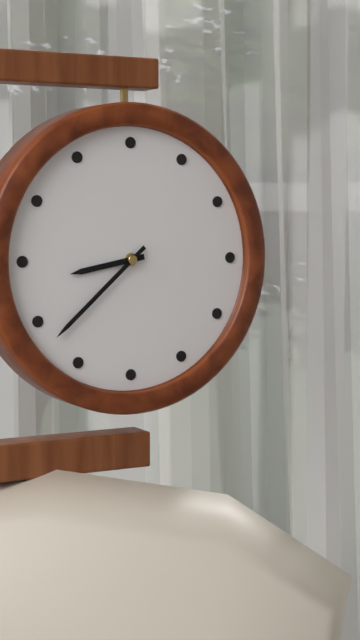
8:38
